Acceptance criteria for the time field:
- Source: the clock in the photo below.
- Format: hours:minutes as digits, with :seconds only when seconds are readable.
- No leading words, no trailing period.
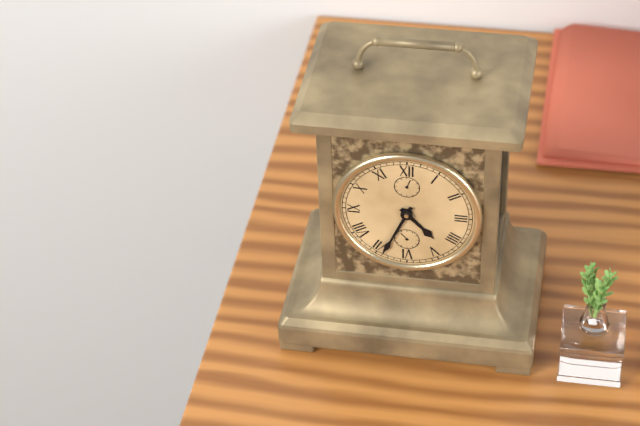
4:34
